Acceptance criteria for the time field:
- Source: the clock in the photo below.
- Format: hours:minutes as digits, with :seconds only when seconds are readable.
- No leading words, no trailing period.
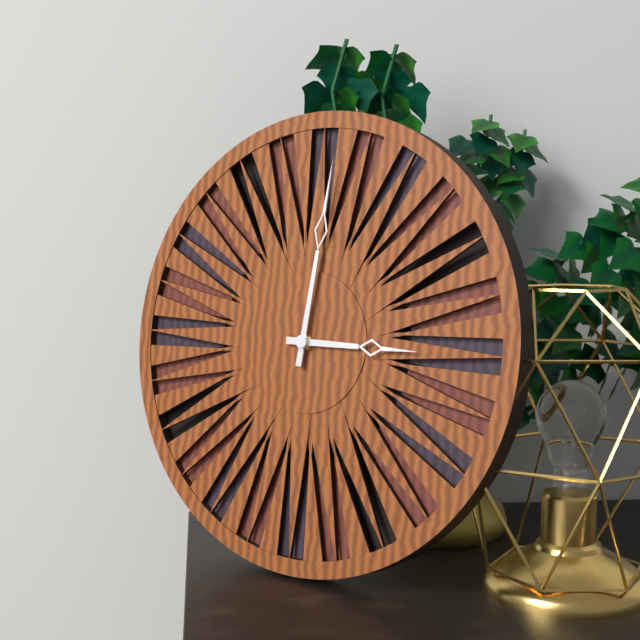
3:01
